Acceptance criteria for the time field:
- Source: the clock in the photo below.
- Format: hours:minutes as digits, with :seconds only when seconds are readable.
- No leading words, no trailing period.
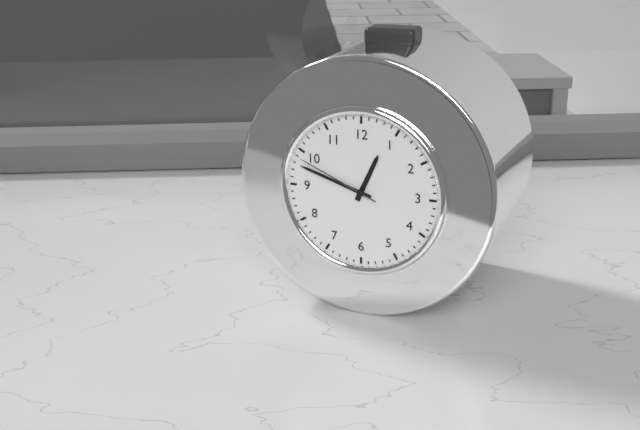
12:48:49
